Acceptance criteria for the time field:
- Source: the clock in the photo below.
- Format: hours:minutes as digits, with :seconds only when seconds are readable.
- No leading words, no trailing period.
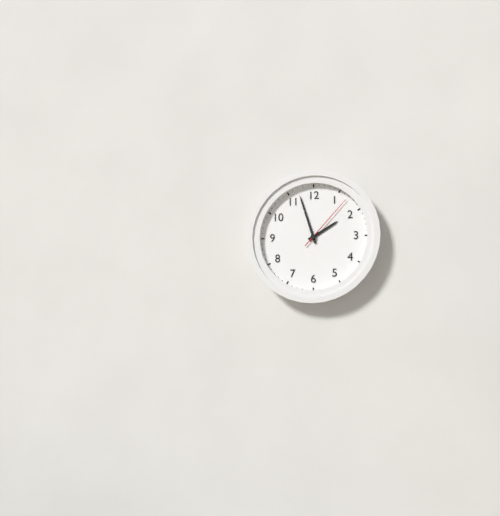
1:57:07
